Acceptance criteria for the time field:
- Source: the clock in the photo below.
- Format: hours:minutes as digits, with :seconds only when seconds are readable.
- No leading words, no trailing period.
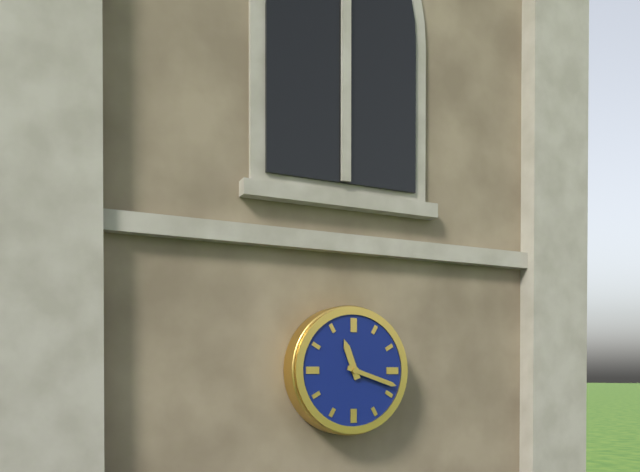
11:18
